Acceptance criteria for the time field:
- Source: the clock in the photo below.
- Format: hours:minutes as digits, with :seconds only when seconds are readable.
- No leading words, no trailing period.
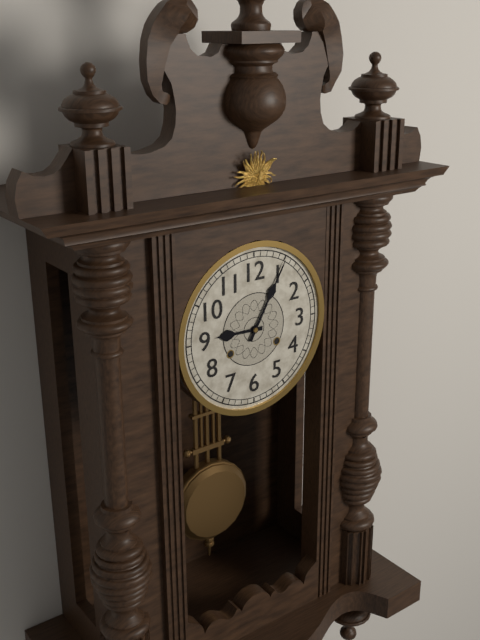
9:05
